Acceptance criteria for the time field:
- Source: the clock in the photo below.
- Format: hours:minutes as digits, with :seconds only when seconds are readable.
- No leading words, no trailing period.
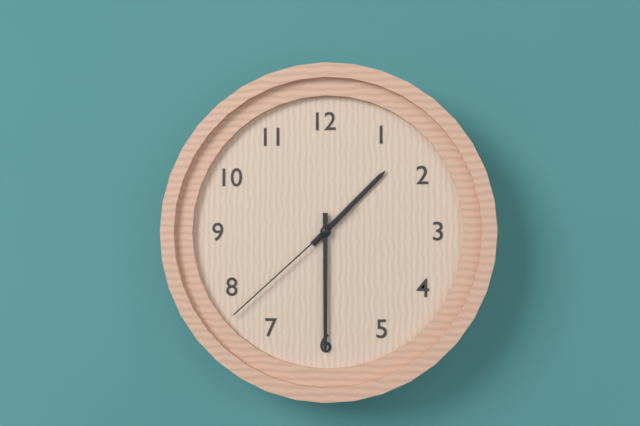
1:30:38
